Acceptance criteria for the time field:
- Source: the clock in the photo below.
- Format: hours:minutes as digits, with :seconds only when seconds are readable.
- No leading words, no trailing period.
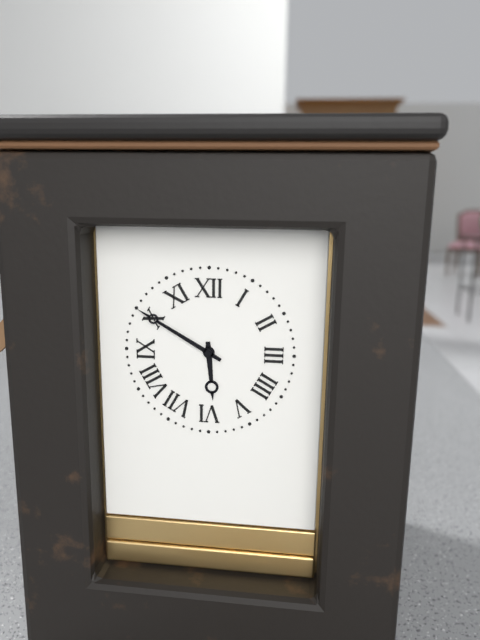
5:50
